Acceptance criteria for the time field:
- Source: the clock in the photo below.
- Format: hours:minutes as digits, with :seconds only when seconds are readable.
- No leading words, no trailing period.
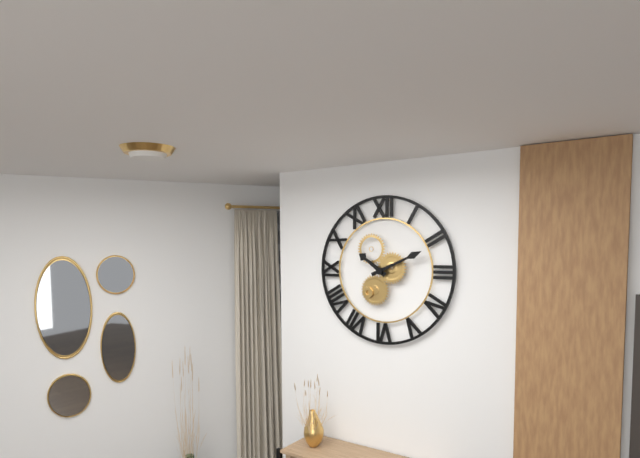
10:11
